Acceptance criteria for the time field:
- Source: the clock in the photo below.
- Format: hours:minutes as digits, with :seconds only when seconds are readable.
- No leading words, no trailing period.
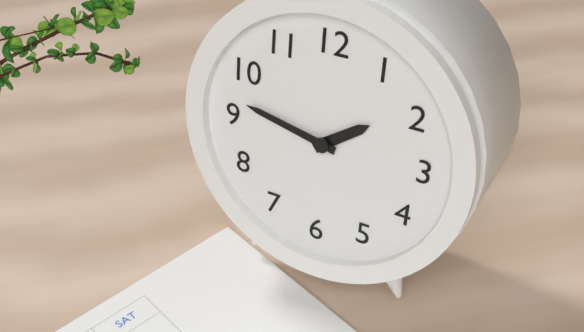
1:47
